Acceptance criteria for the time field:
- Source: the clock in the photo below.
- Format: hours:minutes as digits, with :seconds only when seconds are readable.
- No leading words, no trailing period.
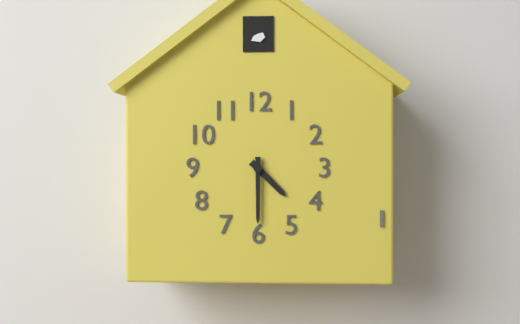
4:30
